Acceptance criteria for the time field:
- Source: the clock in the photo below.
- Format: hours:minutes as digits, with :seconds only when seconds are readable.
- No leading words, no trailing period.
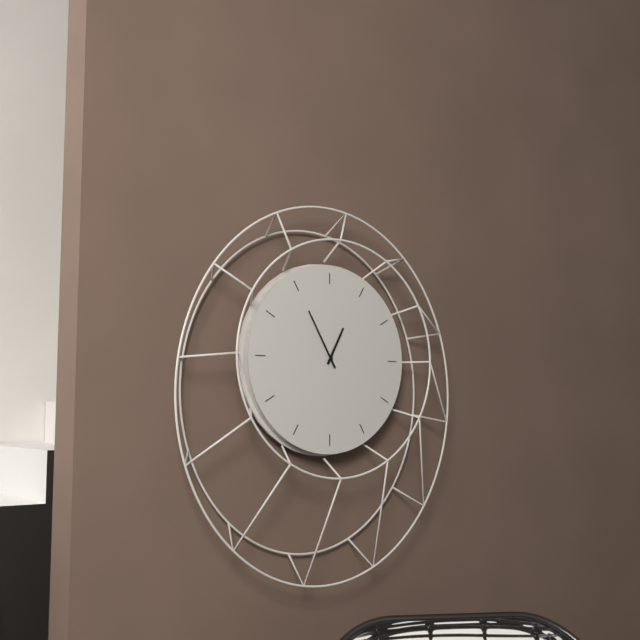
12:55
